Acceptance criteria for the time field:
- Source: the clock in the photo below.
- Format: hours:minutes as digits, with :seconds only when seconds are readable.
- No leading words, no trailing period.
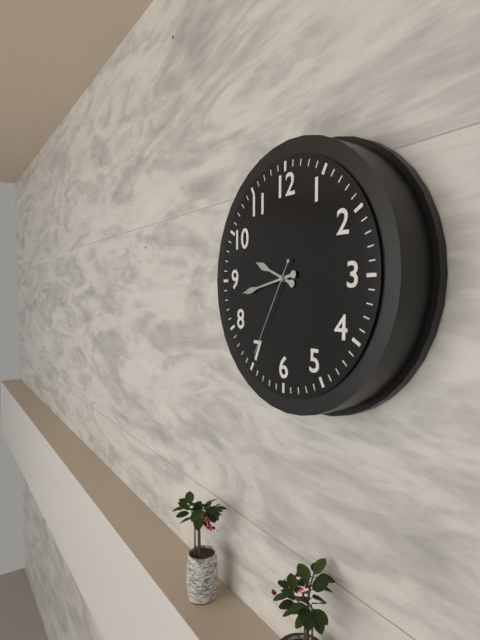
9:43:35
